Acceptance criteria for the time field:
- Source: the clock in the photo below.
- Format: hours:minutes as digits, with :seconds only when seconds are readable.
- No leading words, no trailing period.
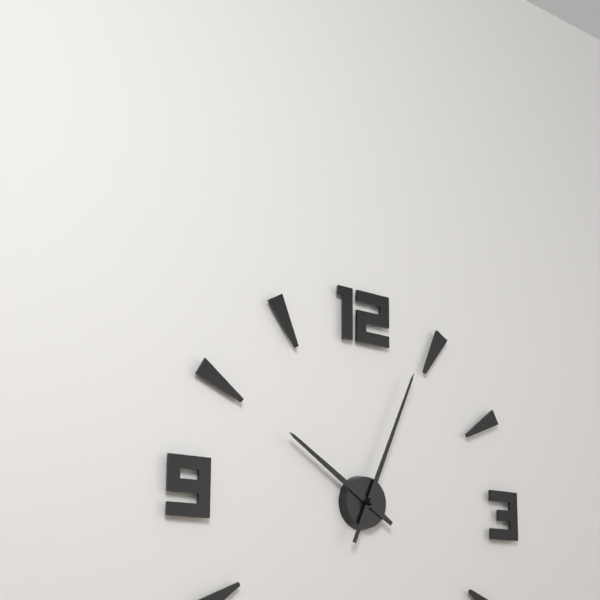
10:04
